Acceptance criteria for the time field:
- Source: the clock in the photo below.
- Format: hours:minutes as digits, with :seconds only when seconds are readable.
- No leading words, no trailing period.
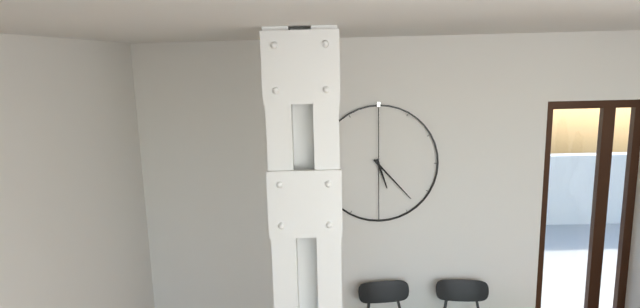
5:23
